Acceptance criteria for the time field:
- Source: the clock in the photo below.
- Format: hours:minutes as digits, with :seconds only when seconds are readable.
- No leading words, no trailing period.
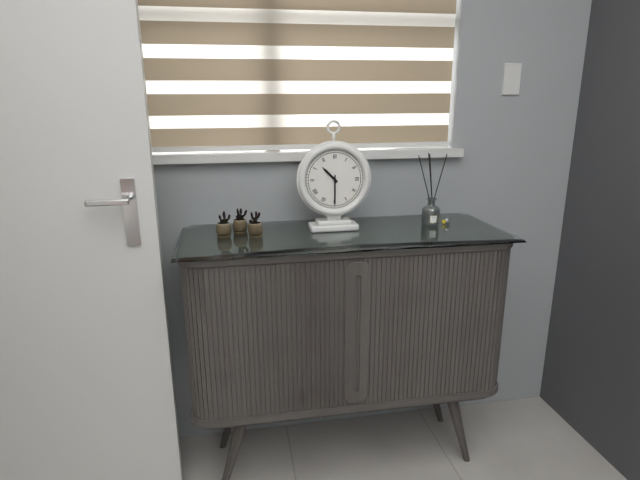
10:30
